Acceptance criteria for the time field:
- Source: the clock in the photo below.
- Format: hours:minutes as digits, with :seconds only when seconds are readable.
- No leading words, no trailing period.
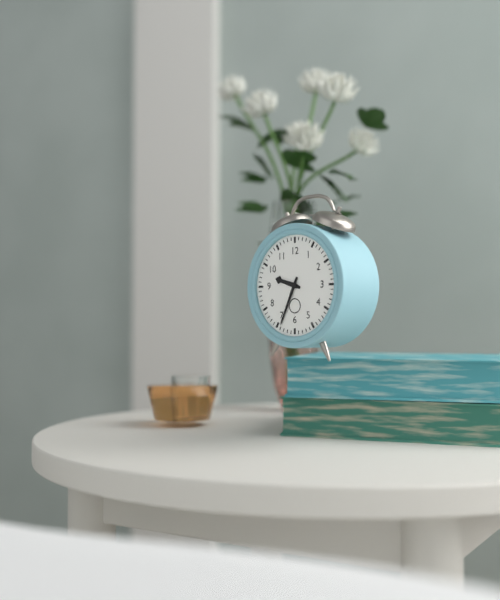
9:34
